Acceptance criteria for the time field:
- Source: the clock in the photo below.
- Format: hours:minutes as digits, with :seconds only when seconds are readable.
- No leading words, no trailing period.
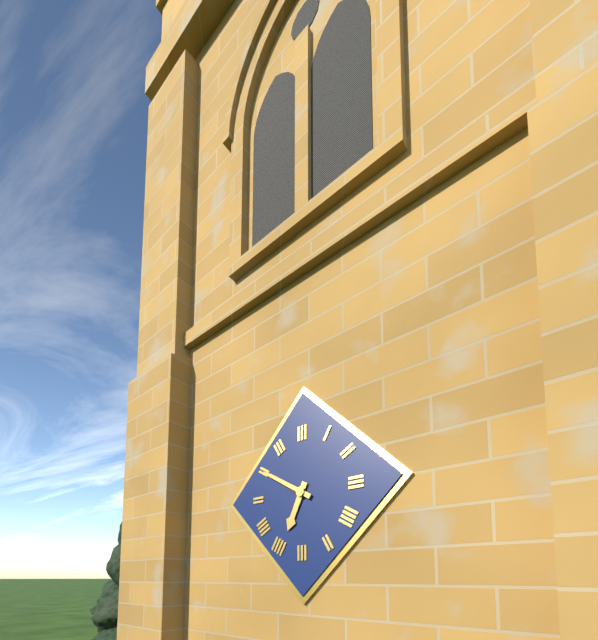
6:50
